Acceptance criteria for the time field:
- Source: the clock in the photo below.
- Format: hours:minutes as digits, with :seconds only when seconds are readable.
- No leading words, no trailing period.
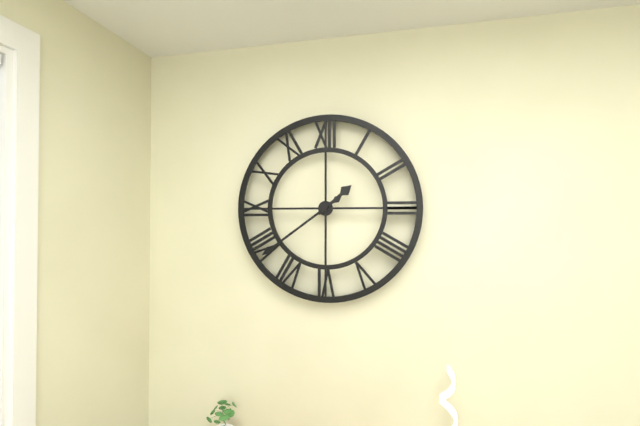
1:39
